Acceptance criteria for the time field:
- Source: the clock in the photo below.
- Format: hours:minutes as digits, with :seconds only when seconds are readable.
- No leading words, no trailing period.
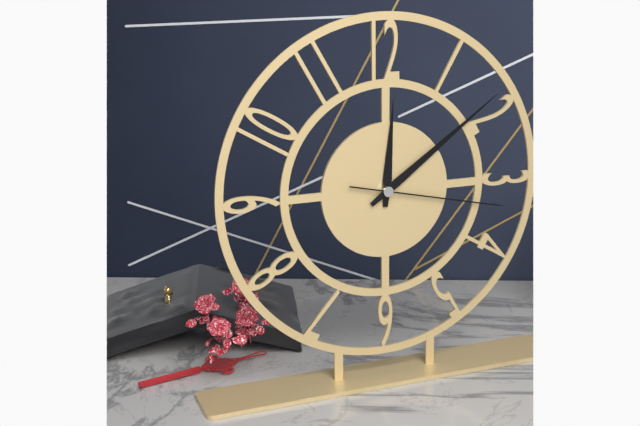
12:09:17
